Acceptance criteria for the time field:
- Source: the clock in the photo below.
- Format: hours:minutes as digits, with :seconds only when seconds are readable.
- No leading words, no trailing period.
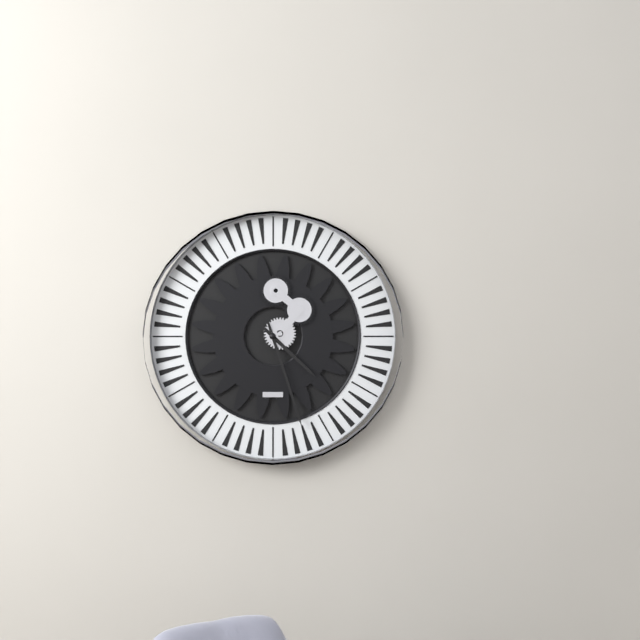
4:27
